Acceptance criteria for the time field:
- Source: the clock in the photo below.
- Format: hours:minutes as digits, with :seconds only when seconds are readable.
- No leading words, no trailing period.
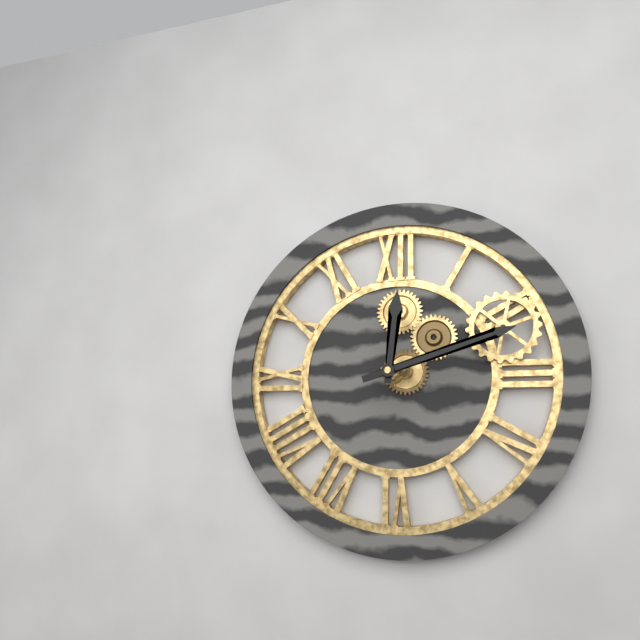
12:12
